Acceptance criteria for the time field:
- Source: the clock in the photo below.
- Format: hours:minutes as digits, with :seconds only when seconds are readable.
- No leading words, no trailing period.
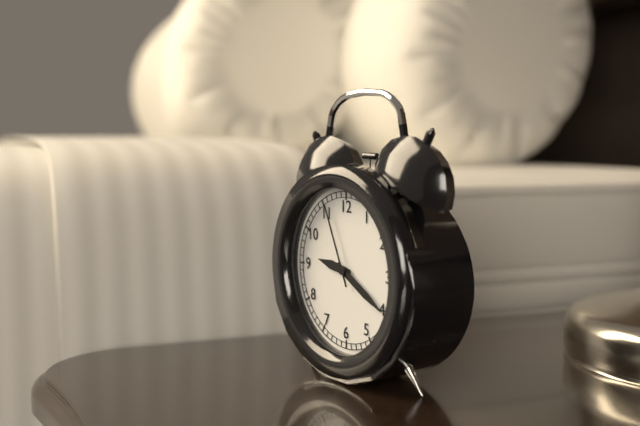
9:20:56
